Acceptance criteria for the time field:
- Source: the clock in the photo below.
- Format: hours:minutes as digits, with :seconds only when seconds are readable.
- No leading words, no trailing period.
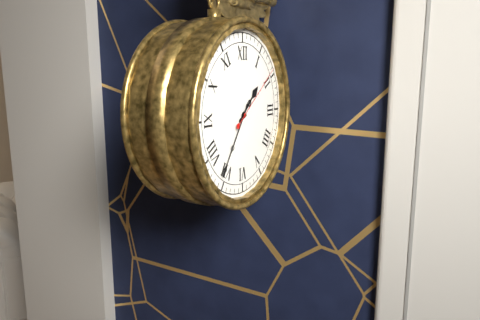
1:36:09
